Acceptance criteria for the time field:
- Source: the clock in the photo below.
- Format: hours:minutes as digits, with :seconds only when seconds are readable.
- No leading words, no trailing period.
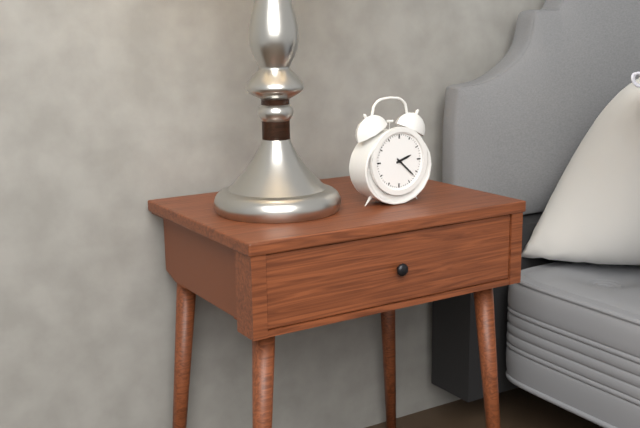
2:22
